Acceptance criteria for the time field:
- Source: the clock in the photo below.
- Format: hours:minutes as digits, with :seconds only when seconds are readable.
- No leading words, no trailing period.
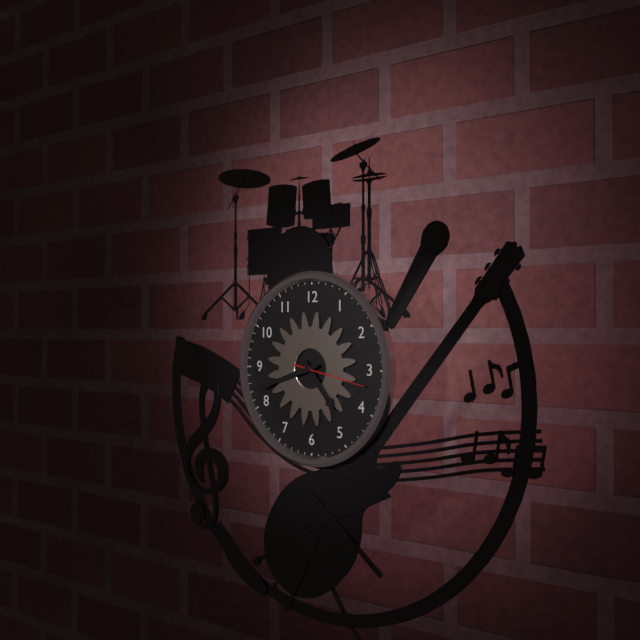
4:42:17
